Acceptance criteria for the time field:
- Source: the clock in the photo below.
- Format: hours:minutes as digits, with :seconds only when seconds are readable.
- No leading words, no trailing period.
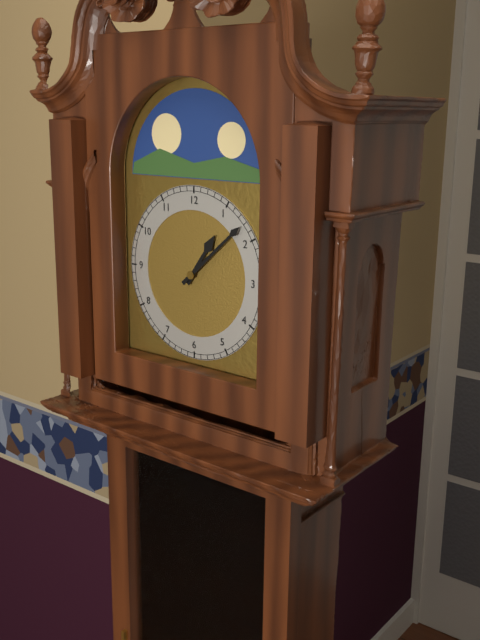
1:08
